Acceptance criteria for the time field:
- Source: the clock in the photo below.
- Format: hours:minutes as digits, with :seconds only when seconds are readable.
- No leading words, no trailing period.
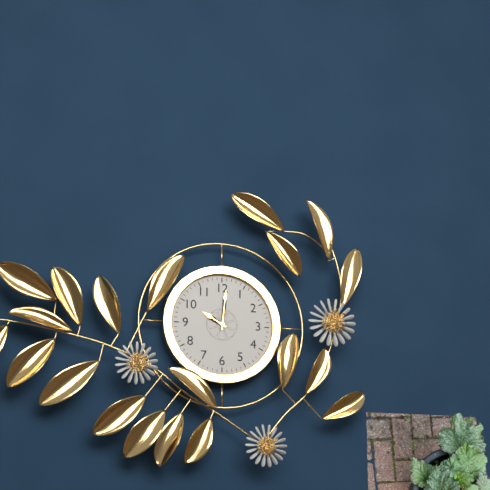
10:01
